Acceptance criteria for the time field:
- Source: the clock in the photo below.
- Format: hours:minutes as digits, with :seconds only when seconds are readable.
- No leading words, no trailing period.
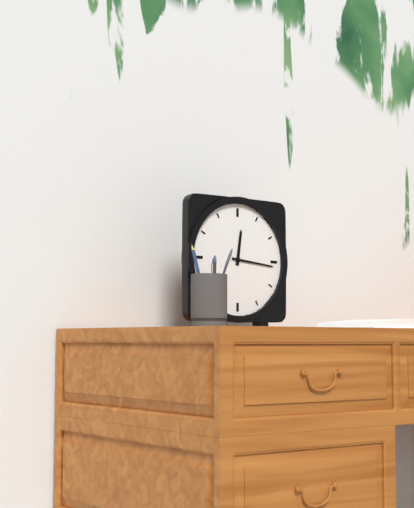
12:16
